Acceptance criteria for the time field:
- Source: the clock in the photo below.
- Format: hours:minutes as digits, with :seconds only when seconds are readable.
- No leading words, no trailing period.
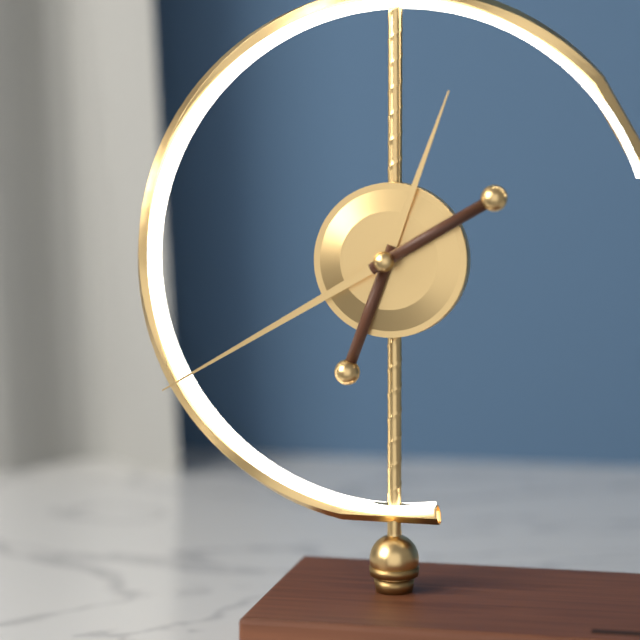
12:40
